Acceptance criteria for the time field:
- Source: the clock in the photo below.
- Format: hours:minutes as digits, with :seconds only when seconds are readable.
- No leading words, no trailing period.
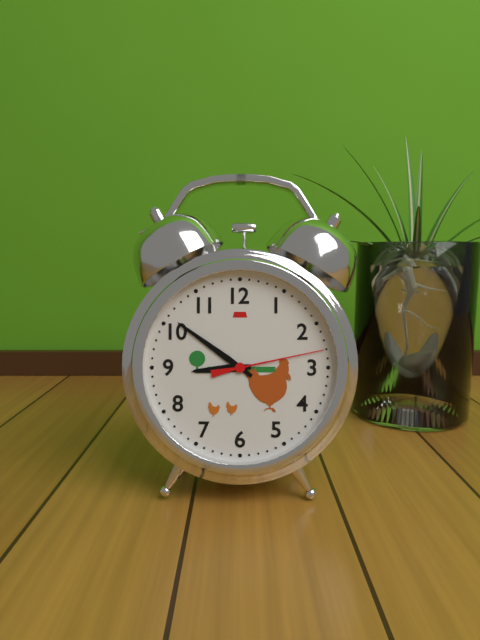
8:51:13
